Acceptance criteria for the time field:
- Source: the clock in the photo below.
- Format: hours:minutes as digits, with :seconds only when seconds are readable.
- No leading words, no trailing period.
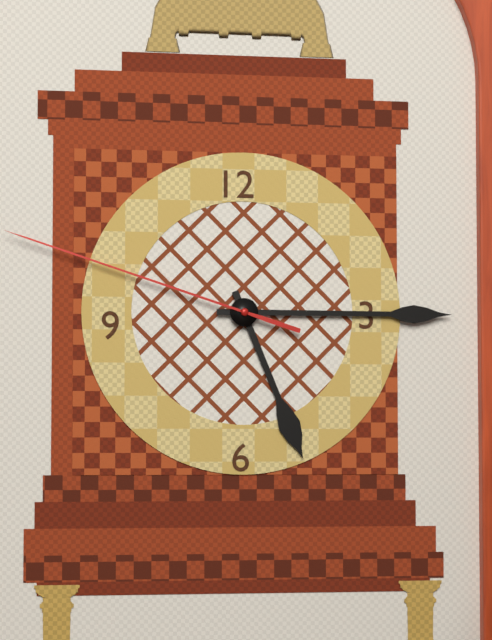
5:15:48
